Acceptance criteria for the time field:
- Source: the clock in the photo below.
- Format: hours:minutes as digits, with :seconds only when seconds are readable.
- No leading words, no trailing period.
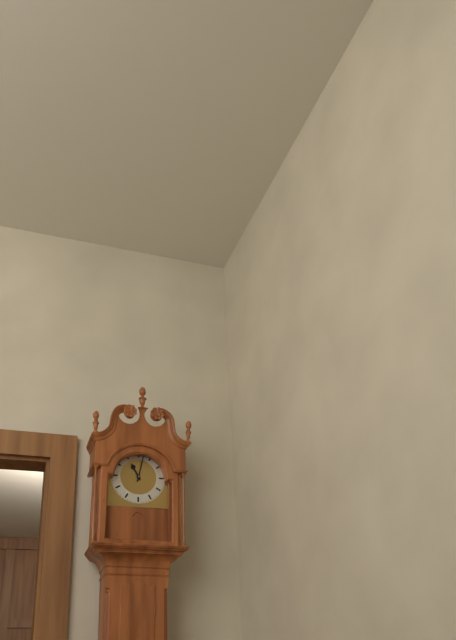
11:02
